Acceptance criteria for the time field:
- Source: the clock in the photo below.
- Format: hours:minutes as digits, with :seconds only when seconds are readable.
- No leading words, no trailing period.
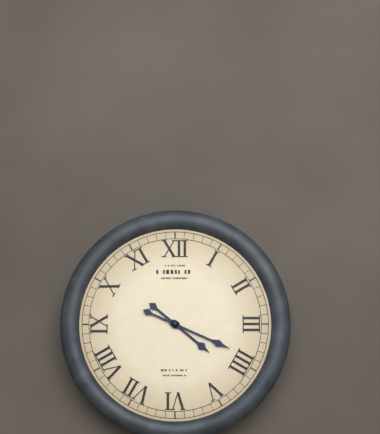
4:19
